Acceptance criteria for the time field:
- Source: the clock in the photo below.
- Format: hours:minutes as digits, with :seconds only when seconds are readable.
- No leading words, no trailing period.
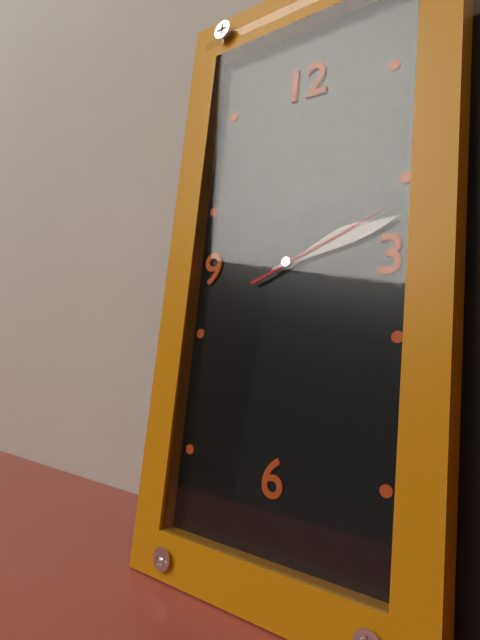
2:12:11
